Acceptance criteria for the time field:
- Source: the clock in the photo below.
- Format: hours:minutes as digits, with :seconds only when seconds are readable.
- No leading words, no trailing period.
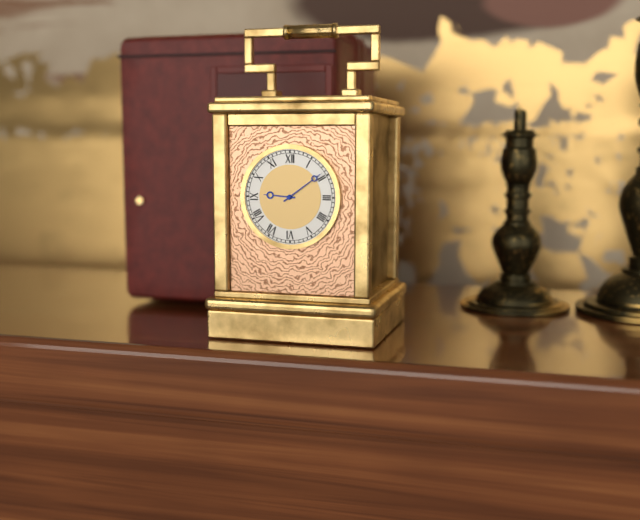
9:09
